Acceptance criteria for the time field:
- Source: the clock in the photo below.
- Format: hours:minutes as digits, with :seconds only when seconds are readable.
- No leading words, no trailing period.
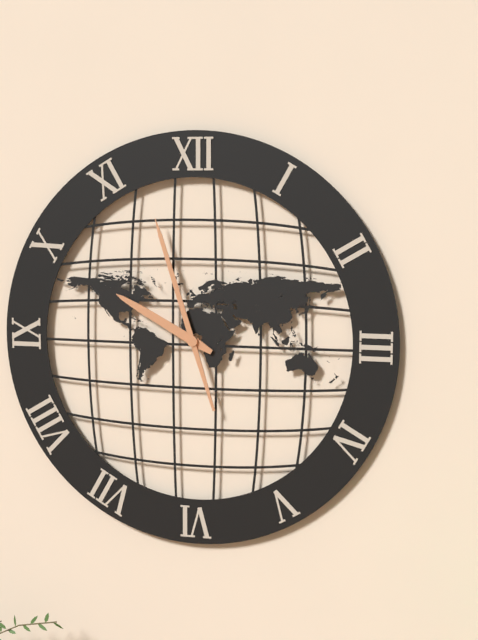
9:57
